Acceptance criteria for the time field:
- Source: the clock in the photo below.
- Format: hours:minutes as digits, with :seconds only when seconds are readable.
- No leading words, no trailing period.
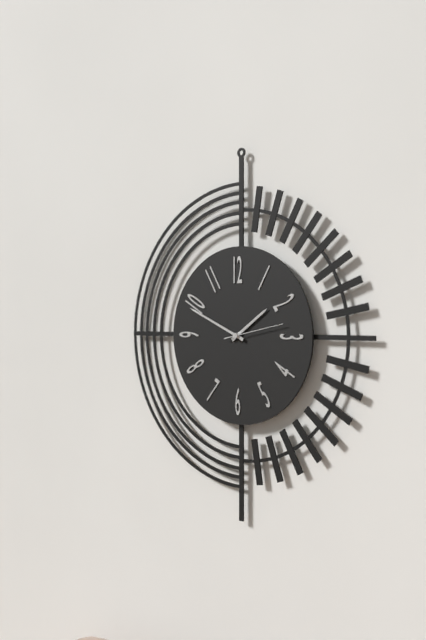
1:49:13
